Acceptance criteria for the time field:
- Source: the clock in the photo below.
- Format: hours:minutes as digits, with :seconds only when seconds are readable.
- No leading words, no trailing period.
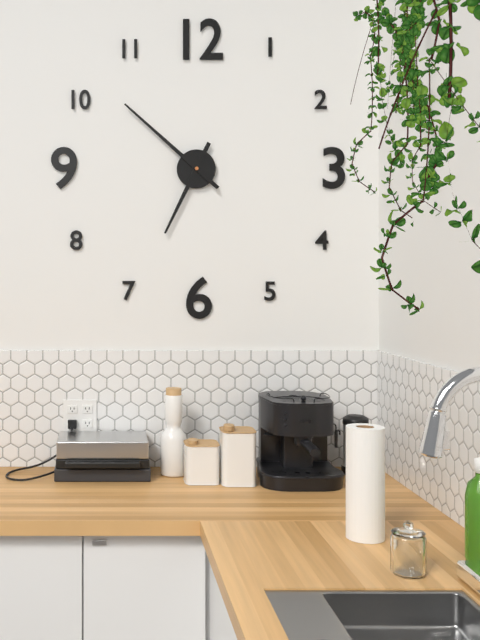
6:52
